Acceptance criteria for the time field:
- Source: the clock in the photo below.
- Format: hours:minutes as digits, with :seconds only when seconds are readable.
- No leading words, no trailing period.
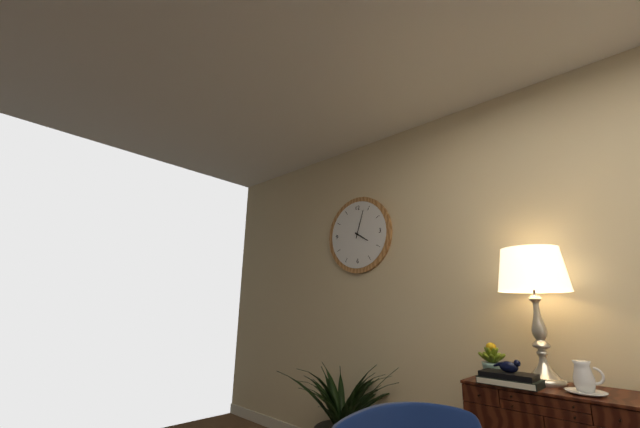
4:03
